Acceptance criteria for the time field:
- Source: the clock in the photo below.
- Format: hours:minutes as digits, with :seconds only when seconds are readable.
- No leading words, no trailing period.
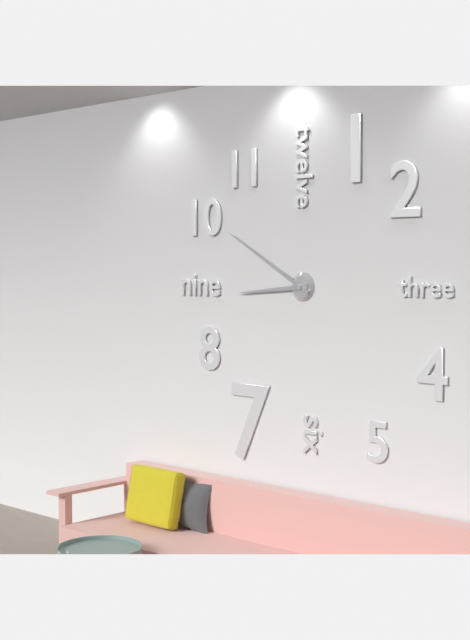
8:50
